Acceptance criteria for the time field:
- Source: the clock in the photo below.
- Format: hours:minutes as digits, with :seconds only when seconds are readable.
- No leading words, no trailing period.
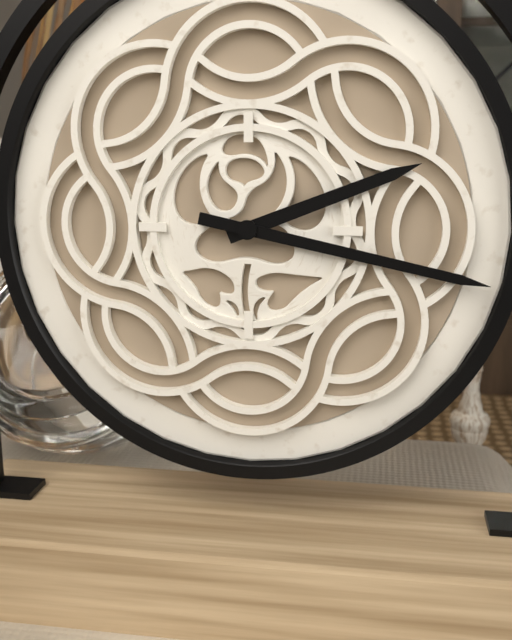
2:17
